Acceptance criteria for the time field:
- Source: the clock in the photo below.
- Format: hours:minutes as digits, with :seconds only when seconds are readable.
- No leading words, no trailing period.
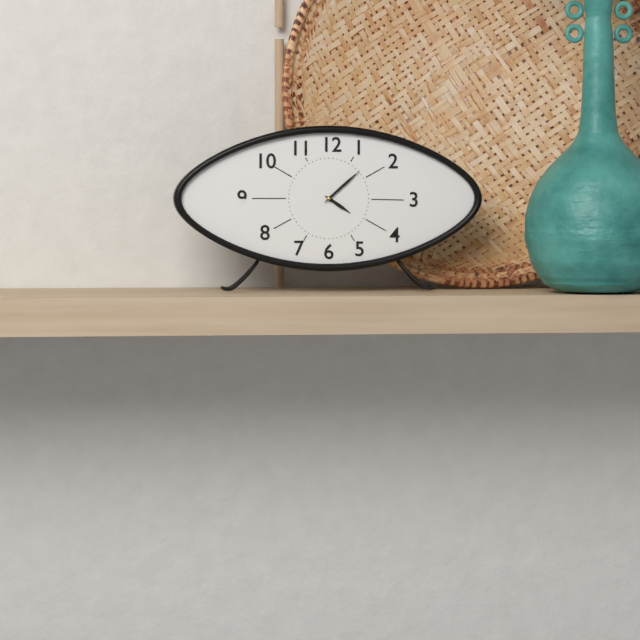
4:08
